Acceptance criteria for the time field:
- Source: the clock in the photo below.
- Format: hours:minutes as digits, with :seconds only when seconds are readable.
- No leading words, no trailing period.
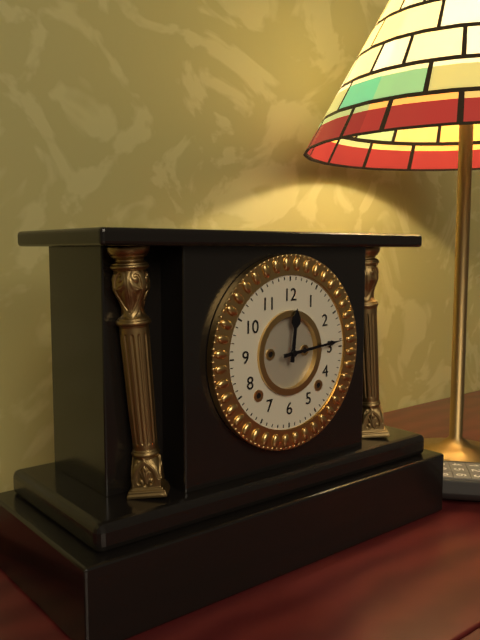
12:14
